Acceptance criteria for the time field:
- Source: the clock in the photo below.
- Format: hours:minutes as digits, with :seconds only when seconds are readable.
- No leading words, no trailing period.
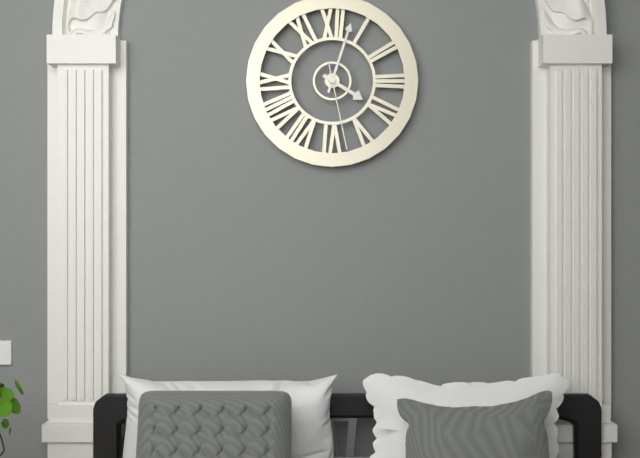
4:03:28
